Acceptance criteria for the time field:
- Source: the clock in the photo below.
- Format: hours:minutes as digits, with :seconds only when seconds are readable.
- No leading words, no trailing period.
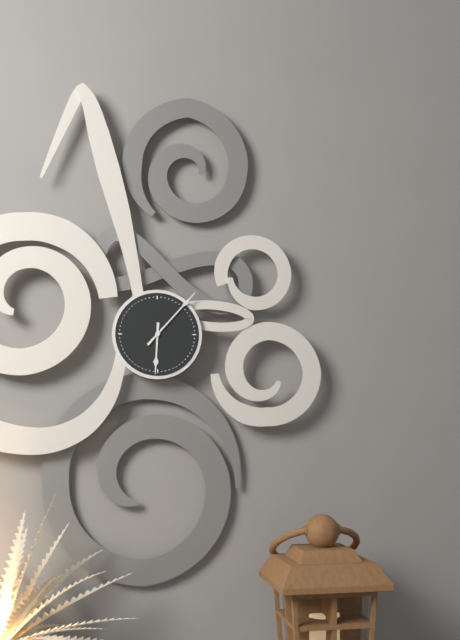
6:07
